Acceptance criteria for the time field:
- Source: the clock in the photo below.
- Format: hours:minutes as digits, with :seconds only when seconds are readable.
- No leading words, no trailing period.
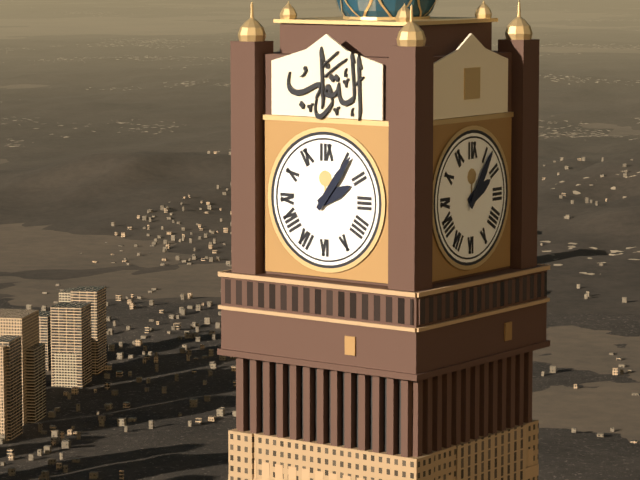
2:06
